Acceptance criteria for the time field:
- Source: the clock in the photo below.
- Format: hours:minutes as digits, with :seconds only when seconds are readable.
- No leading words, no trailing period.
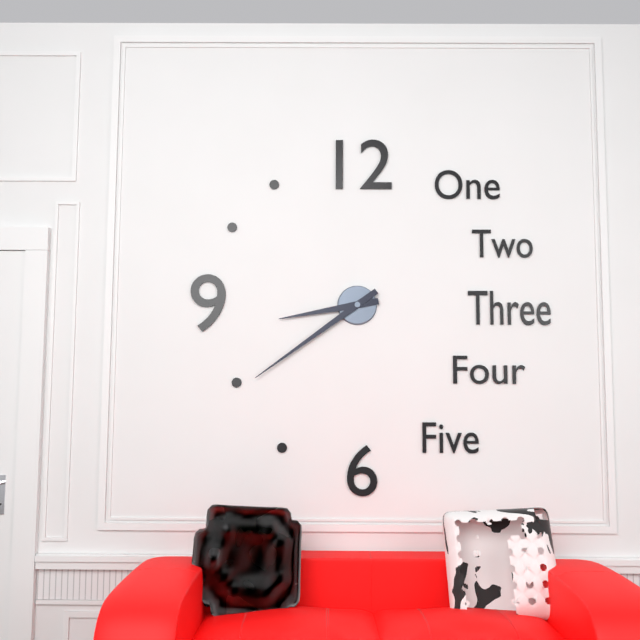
8:39
